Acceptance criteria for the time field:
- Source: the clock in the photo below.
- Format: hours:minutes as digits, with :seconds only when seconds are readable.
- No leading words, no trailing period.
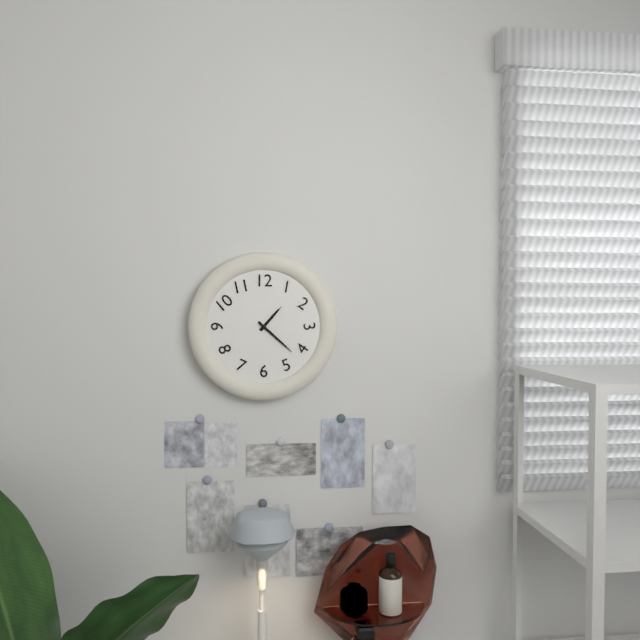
1:22
